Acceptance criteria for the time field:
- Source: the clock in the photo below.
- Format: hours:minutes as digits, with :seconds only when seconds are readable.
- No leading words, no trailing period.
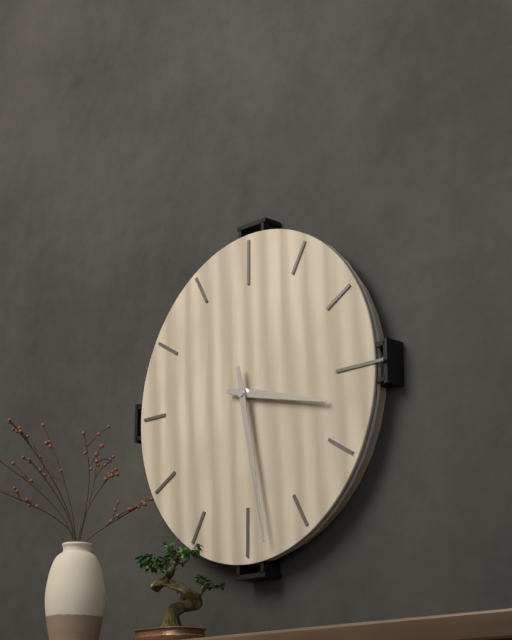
3:28
